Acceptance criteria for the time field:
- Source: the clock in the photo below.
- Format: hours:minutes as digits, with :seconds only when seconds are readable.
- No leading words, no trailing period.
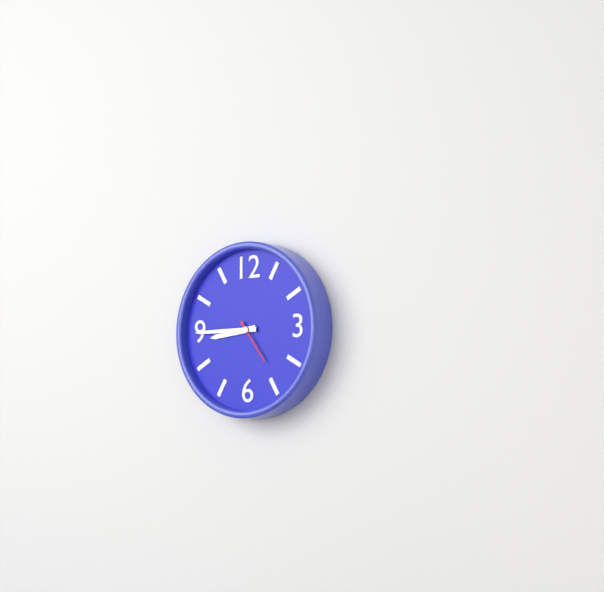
8:45
